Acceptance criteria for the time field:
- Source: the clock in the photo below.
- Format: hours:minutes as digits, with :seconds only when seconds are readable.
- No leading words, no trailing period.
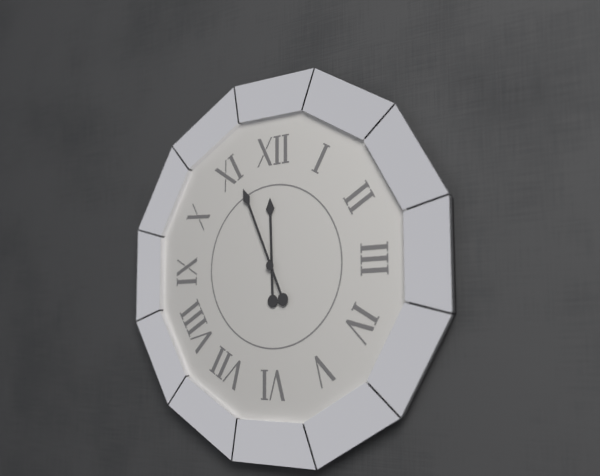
11:56
